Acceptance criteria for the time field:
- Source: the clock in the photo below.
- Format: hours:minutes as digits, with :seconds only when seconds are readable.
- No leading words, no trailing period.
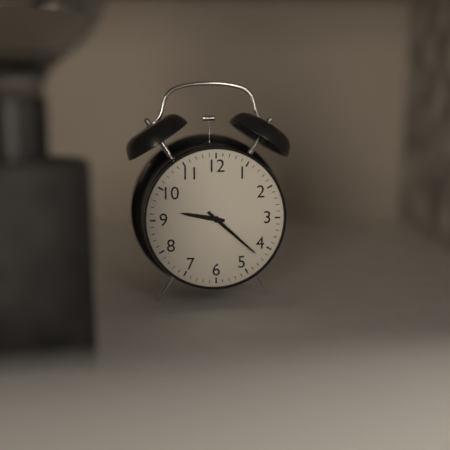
9:22
